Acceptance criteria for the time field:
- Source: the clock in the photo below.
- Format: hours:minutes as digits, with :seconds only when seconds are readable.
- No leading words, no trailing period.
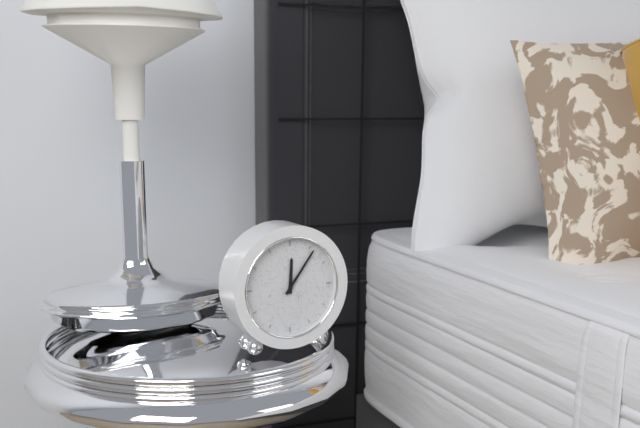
12:06
